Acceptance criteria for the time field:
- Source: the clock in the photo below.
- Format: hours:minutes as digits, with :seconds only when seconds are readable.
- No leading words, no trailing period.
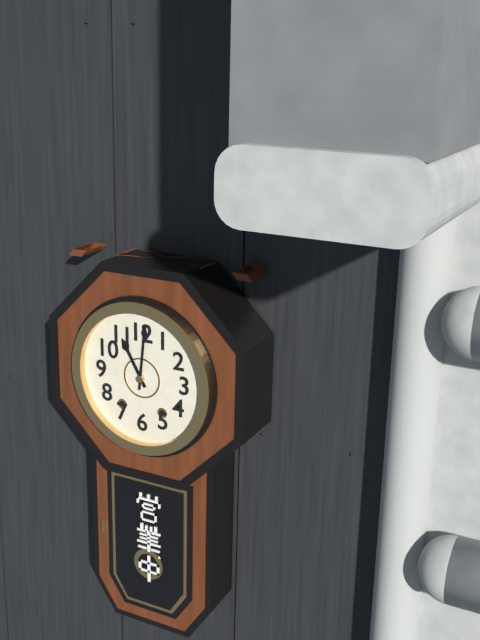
11:01
